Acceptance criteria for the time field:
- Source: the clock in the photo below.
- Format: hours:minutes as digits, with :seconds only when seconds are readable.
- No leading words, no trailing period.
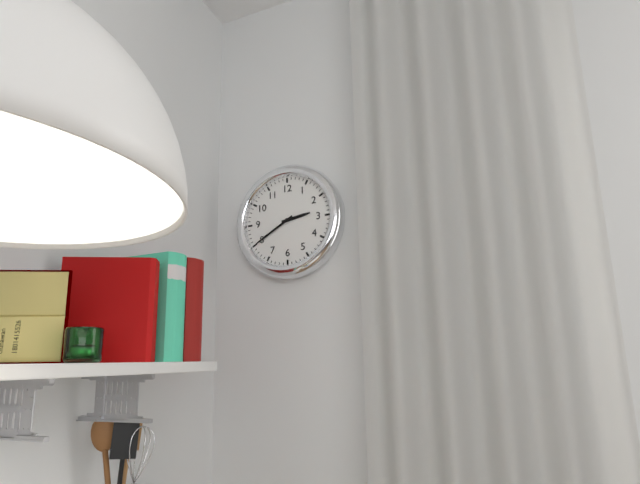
2:40
